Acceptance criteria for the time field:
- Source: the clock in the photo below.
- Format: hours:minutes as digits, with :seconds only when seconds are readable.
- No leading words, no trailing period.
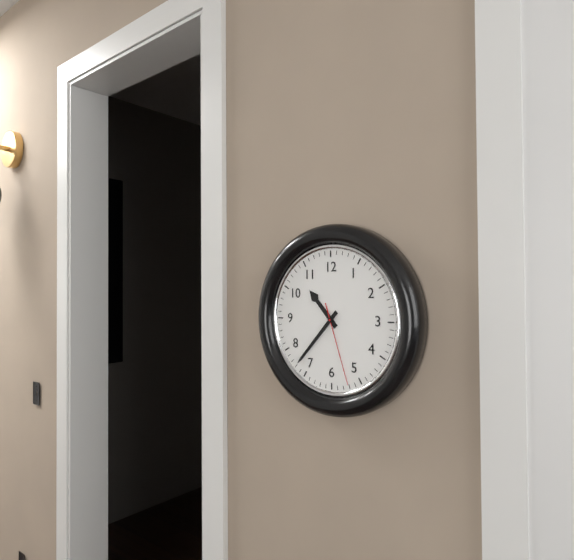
10:37:27
